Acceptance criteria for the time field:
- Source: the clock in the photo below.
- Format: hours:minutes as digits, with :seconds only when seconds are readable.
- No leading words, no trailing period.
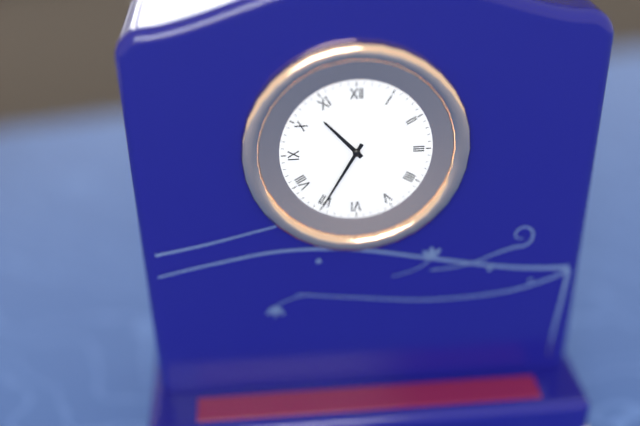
10:35
